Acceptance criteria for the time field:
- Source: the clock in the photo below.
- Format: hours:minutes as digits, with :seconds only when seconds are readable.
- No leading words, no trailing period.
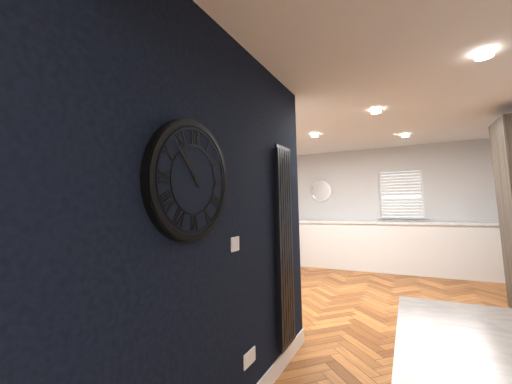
10:53
